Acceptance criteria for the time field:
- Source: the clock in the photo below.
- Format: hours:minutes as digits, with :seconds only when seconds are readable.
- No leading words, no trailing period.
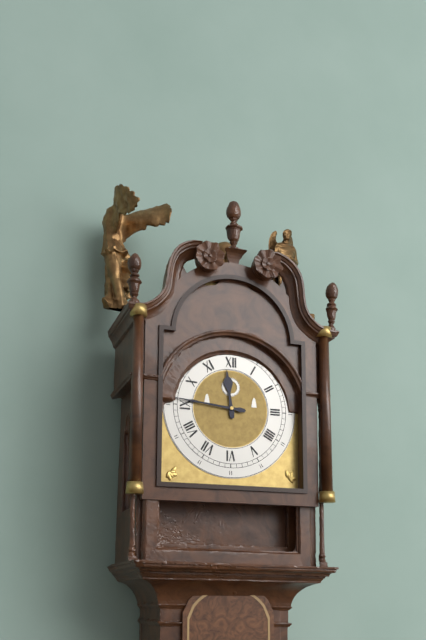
11:46
